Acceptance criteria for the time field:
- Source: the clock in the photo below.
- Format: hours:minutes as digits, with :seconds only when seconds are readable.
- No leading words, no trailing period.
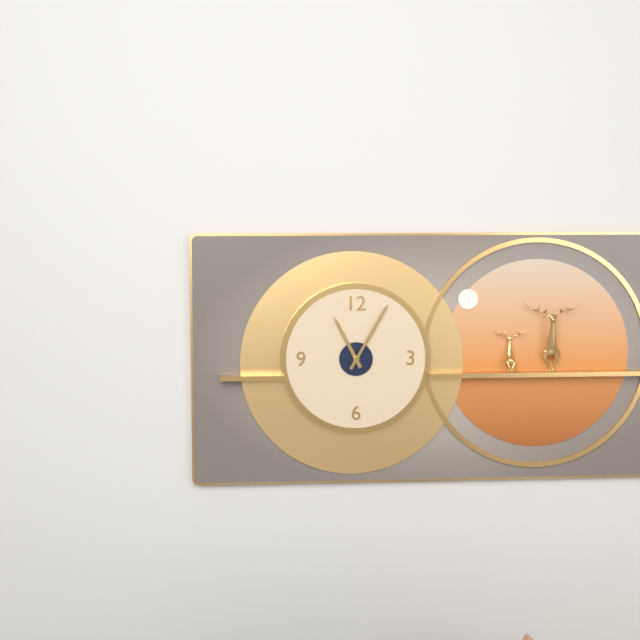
11:05
